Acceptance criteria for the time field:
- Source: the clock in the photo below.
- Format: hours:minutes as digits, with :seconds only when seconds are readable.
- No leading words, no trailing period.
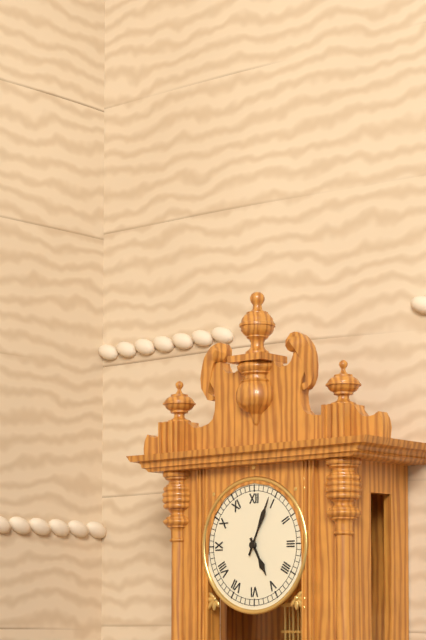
5:04
